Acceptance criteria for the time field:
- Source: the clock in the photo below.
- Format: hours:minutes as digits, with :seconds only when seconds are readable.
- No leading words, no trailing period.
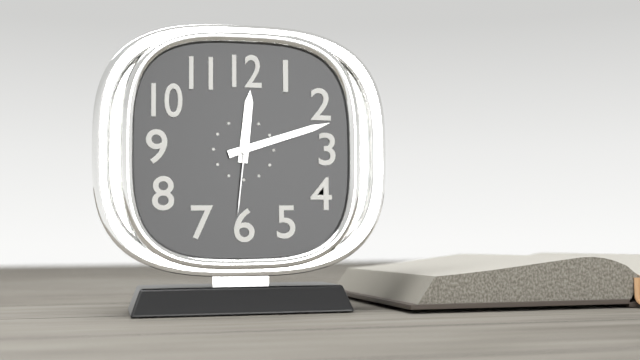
12:12:31
